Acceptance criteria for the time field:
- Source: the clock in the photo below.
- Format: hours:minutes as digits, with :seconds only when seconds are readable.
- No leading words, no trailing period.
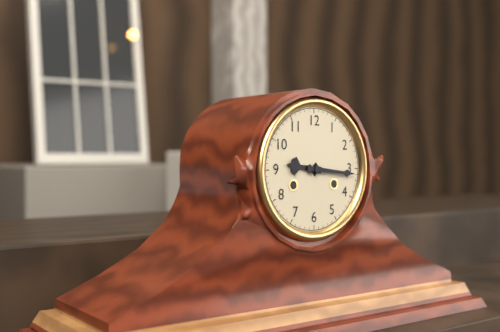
9:16
